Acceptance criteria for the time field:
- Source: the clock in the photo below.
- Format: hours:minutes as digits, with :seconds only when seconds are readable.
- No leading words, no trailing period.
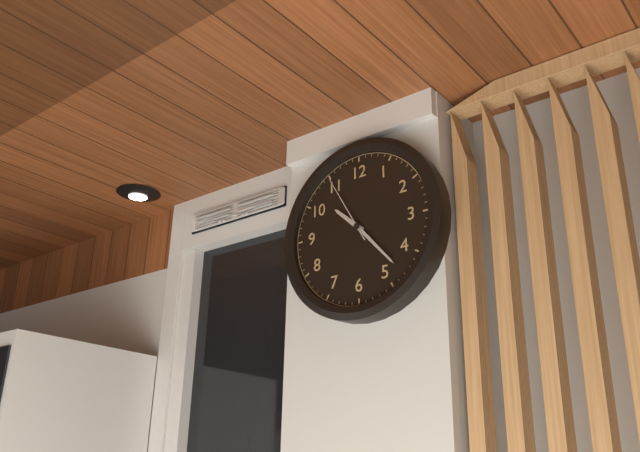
10:23:55
